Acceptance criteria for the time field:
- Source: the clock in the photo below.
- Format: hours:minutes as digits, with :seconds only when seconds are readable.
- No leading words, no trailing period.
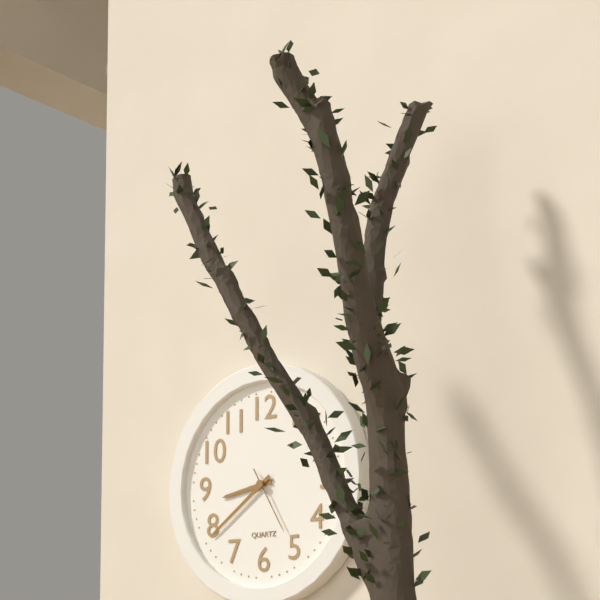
8:39:25
